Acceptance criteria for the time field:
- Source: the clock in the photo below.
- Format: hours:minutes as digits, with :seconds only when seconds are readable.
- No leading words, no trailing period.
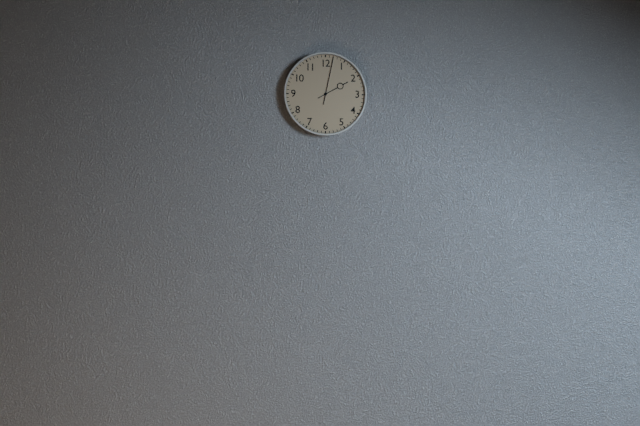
2:02
